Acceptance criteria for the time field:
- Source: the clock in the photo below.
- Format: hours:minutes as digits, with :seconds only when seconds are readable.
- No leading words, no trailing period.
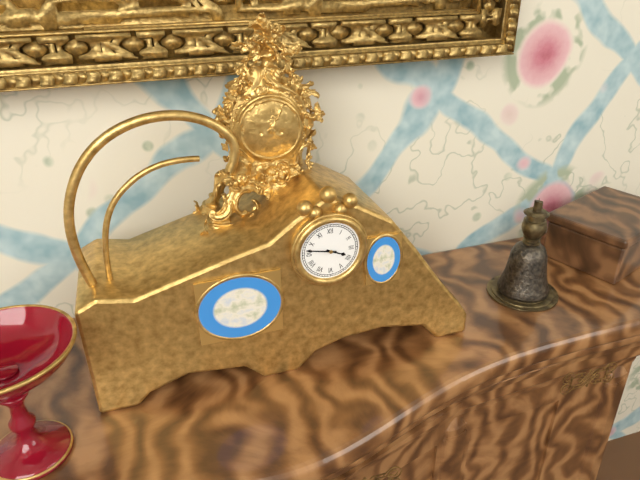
3:47
